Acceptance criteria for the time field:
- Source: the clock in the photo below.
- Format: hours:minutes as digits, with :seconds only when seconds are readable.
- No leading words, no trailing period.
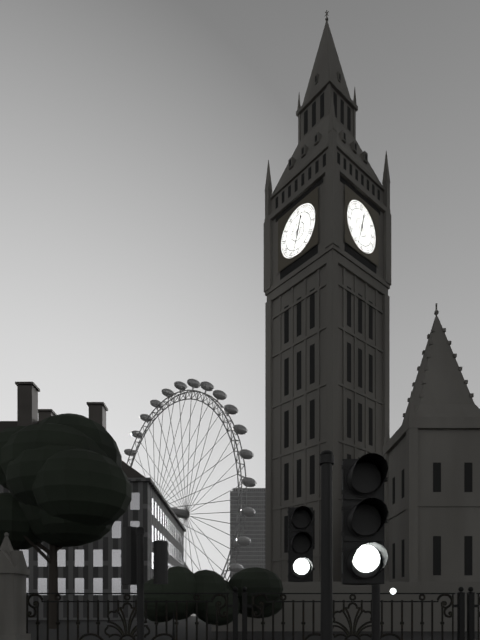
12:33
